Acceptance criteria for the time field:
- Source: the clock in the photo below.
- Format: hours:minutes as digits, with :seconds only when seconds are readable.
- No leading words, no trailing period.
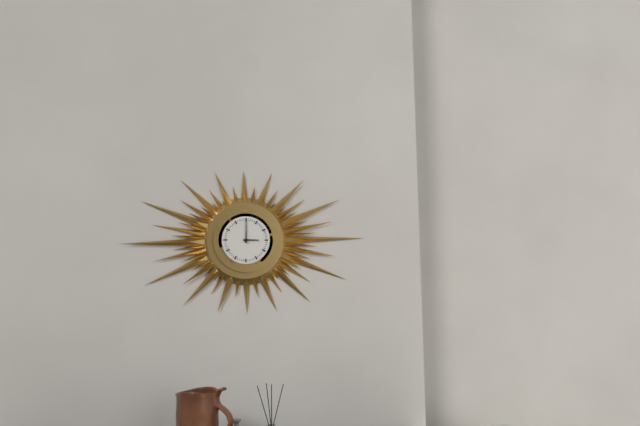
3:00
